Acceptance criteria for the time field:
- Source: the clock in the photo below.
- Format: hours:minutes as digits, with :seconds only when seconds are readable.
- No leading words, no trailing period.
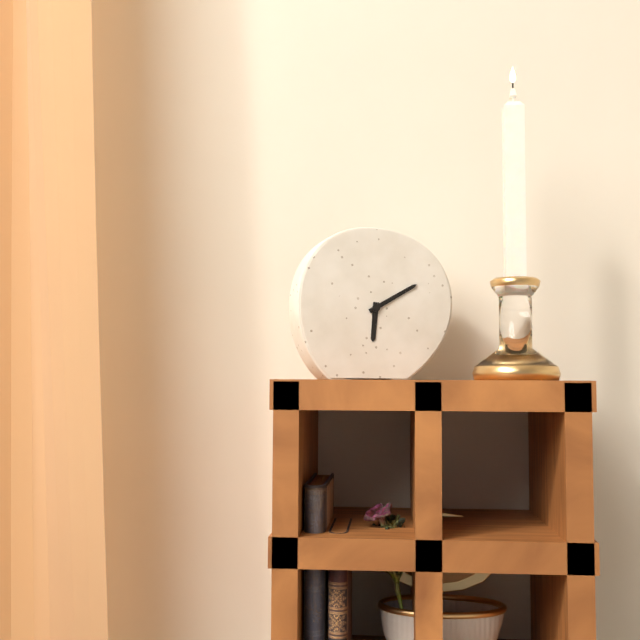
6:10
